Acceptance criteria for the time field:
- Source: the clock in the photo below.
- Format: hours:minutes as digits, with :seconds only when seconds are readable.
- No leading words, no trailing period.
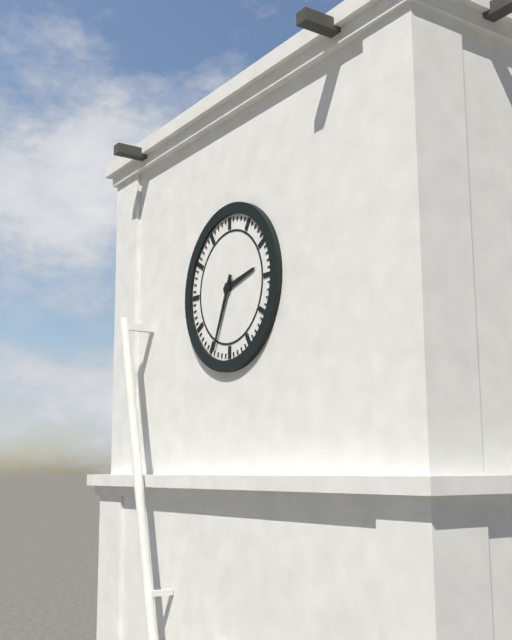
2:34
